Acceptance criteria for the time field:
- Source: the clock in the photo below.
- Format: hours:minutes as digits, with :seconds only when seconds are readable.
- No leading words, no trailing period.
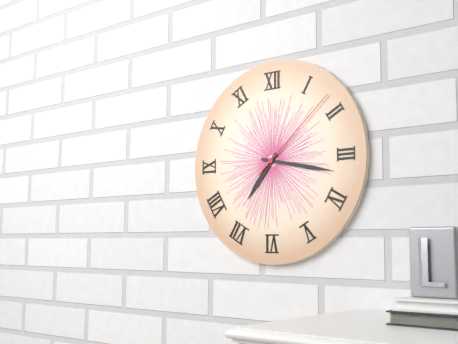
7:17:08
